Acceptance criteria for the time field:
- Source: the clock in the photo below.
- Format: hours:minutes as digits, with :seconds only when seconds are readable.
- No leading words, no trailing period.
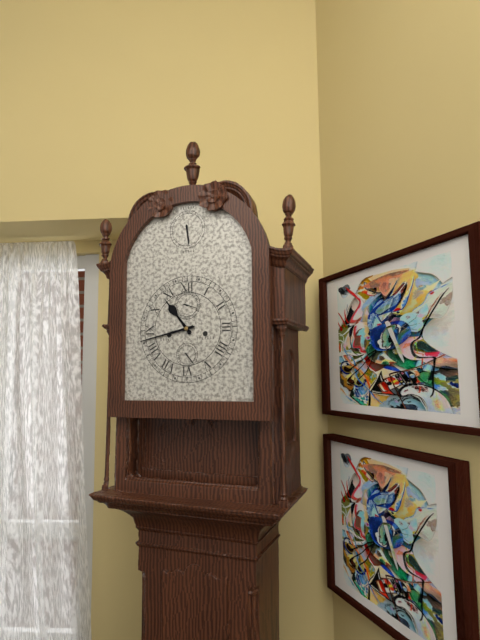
10:43
